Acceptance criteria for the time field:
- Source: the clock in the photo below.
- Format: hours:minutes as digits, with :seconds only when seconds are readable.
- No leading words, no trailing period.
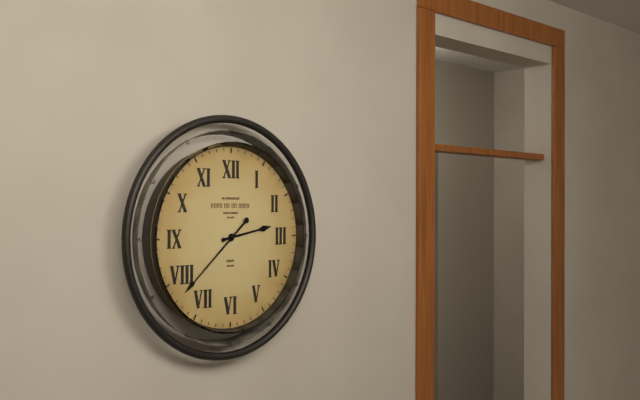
2:38
